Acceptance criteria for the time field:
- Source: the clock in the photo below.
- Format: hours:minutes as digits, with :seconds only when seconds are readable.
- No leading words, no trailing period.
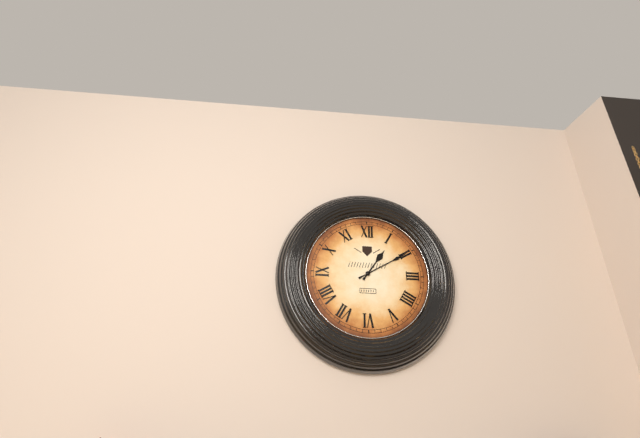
1:10
